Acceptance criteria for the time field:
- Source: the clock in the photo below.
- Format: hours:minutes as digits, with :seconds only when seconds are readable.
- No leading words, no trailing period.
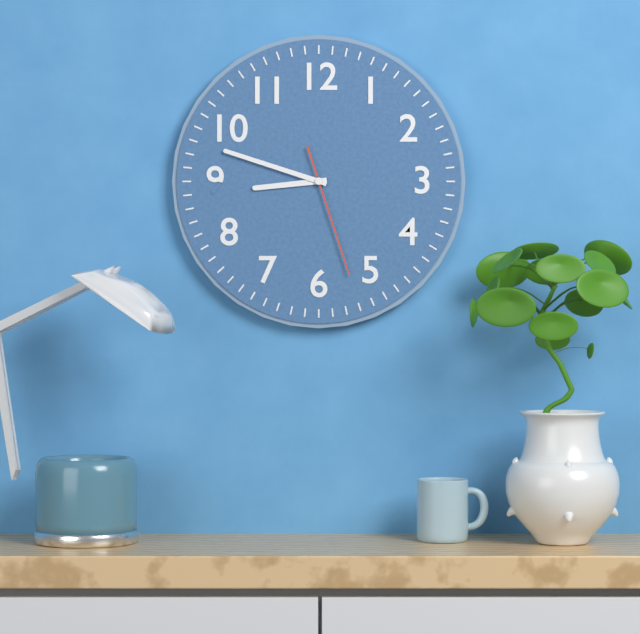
8:48:27
